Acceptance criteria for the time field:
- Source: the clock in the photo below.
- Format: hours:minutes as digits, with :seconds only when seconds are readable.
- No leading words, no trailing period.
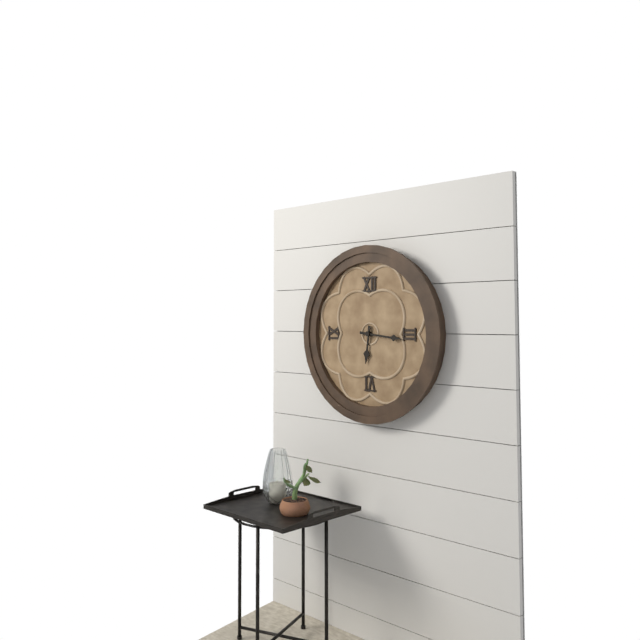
6:16
